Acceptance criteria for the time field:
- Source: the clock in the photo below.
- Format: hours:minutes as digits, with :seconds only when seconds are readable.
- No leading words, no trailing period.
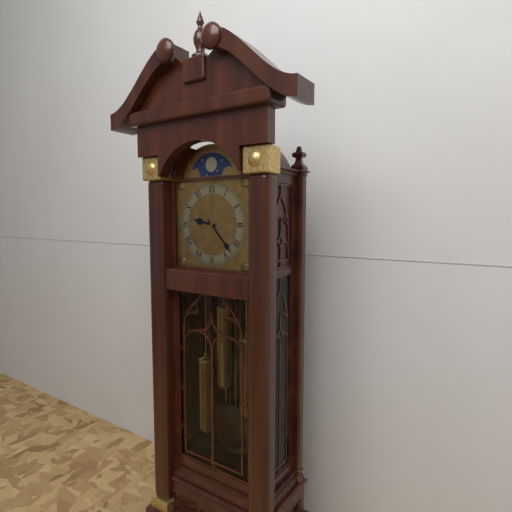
9:23
